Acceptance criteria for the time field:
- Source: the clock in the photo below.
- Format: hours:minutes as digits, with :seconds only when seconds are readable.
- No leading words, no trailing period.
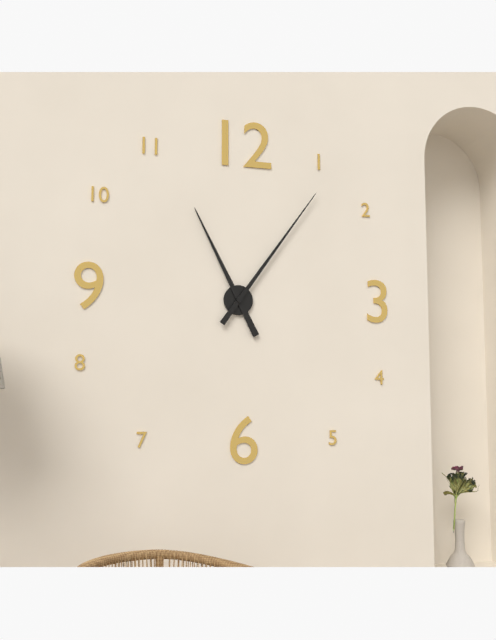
11:06
